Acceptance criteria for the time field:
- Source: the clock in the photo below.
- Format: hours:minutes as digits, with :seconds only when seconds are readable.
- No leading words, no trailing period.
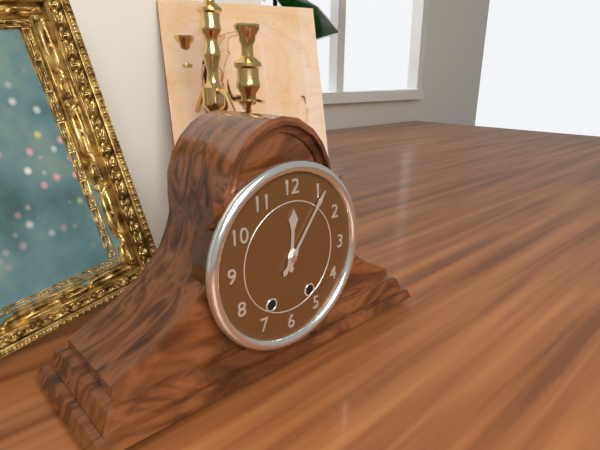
12:06
